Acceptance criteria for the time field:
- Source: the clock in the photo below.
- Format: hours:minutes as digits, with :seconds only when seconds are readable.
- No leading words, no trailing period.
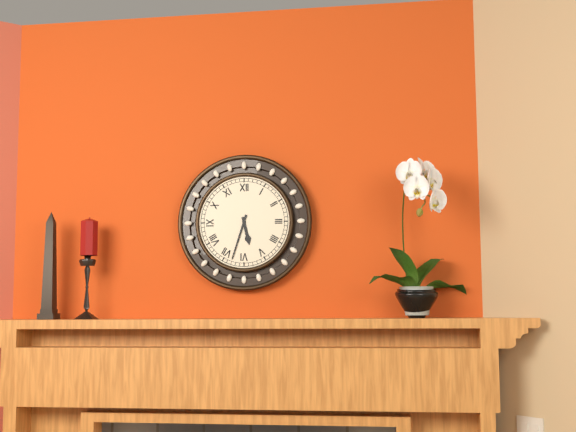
5:33
